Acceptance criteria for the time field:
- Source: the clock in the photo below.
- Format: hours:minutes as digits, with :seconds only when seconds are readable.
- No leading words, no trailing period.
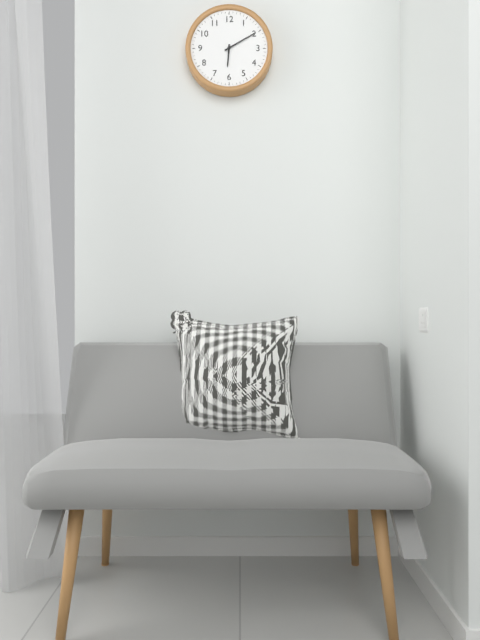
6:10
